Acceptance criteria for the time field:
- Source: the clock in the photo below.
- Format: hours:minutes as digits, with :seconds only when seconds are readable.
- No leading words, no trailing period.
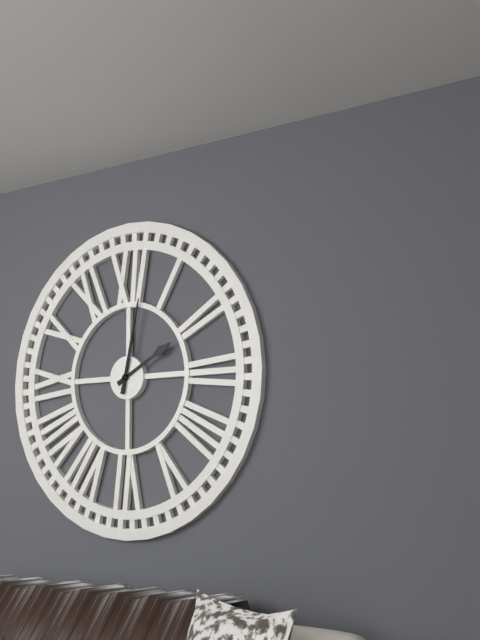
2:02
